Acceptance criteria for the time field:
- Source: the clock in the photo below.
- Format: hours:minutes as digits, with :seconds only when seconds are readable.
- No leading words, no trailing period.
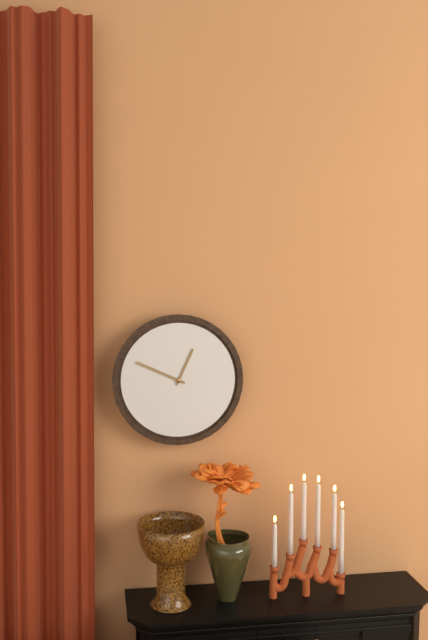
12:49
